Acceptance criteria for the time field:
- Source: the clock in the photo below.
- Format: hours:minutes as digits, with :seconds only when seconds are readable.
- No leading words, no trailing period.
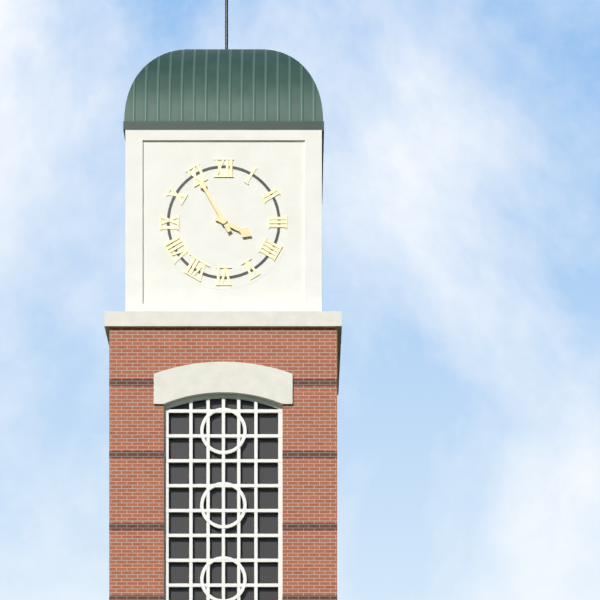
3:55
